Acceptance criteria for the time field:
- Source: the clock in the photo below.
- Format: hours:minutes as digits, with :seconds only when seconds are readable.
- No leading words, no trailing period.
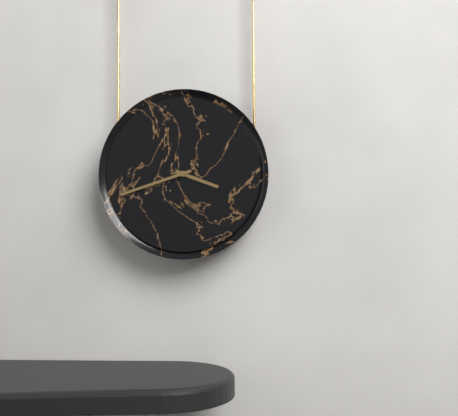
3:42
